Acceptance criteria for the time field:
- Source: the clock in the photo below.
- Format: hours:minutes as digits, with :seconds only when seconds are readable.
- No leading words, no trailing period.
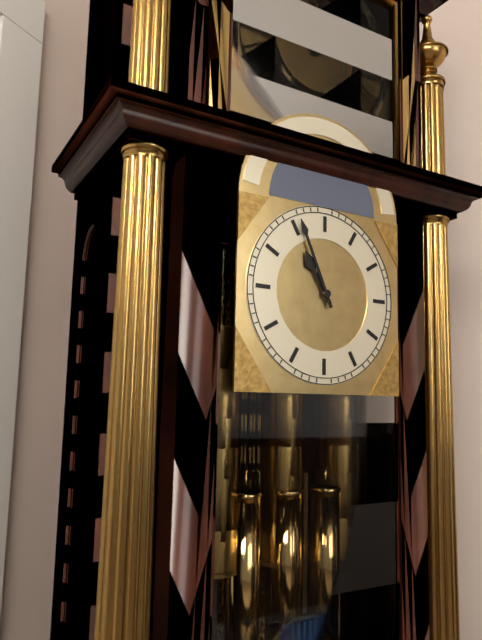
10:56
